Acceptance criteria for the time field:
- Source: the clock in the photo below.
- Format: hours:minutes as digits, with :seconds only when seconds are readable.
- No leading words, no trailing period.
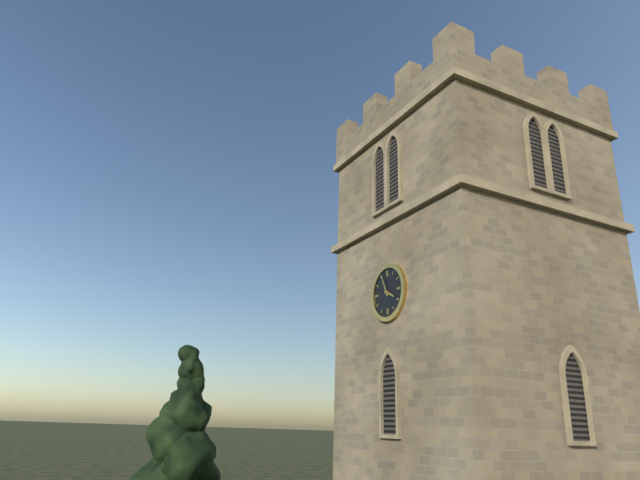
3:56
